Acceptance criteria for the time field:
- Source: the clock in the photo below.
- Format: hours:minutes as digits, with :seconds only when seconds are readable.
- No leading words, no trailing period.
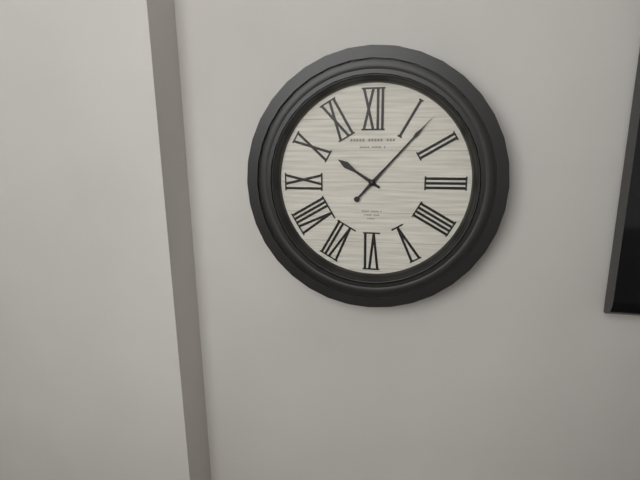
10:07
